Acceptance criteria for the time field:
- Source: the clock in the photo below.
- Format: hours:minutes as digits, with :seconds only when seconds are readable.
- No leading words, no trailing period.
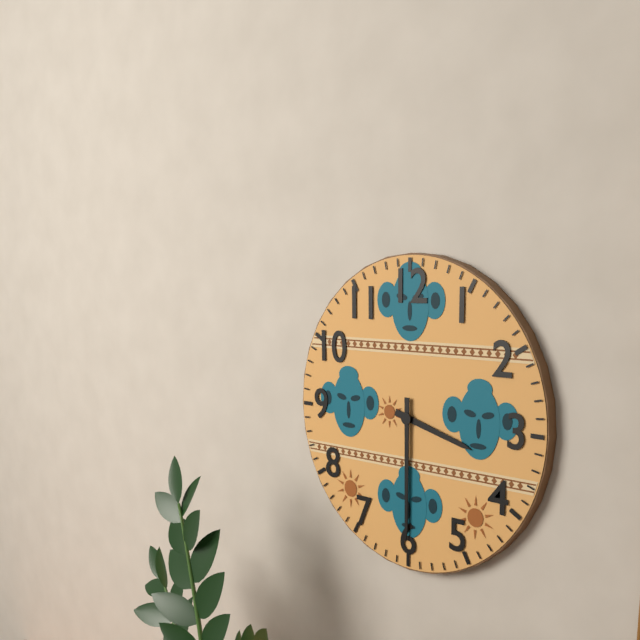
3:30
